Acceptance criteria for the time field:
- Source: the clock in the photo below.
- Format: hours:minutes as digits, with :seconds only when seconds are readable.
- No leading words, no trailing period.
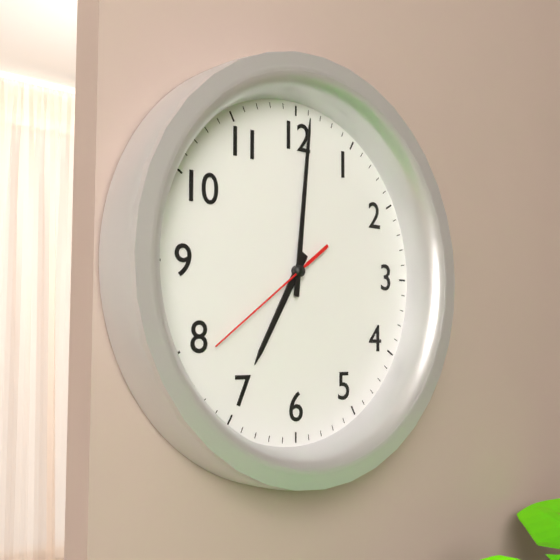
7:01:39
